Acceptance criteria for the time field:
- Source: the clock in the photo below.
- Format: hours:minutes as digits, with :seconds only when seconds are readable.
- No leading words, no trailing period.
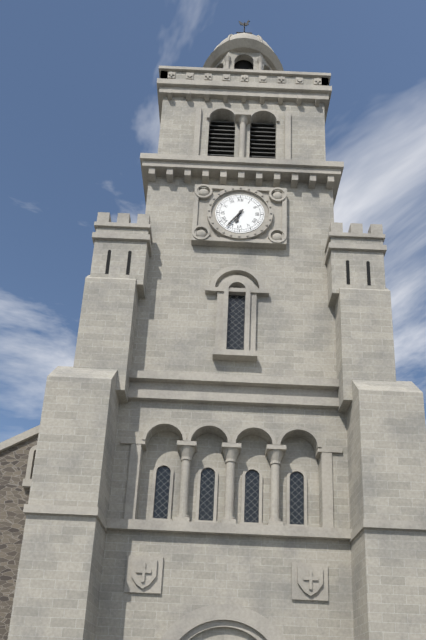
6:36
